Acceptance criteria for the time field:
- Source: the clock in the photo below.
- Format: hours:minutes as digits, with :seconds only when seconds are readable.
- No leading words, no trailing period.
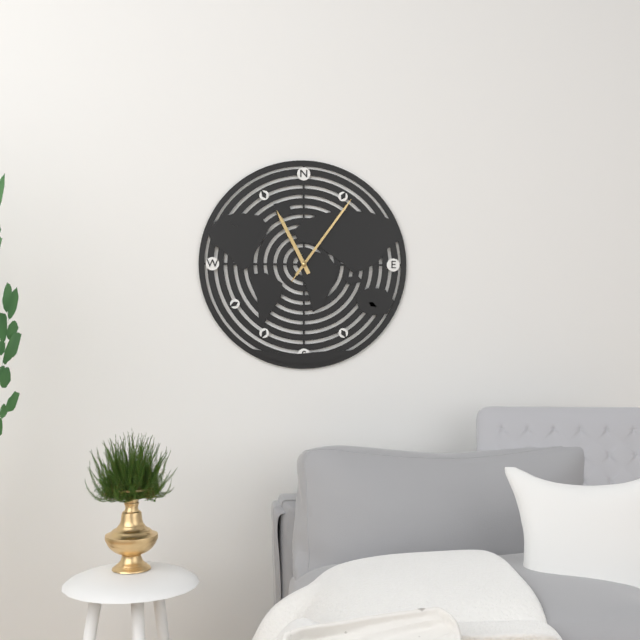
11:06:06
